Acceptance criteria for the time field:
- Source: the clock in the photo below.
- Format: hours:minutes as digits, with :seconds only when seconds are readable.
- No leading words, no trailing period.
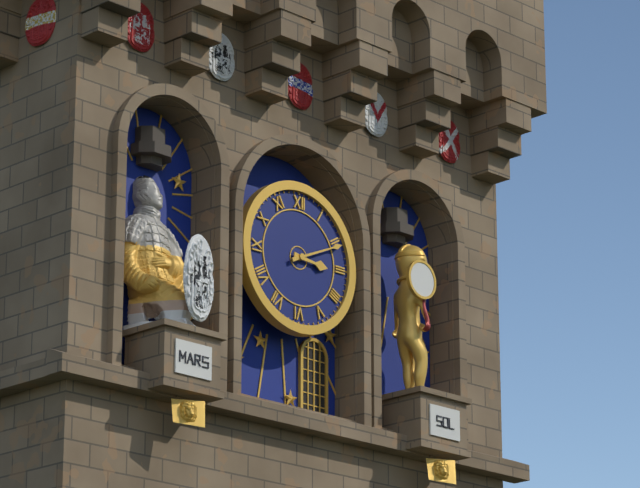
3:11
